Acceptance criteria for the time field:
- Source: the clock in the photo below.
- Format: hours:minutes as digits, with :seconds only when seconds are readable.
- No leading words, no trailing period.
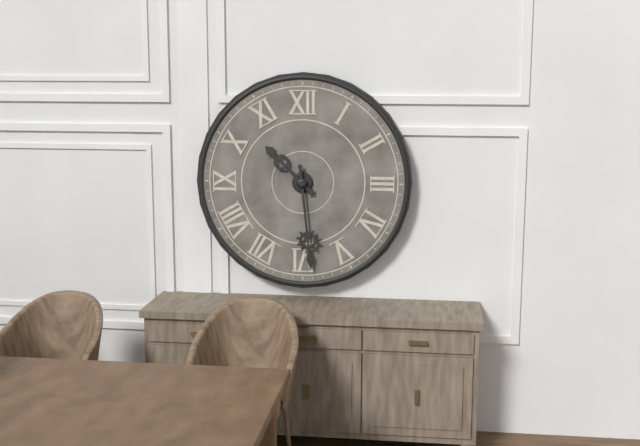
10:29
